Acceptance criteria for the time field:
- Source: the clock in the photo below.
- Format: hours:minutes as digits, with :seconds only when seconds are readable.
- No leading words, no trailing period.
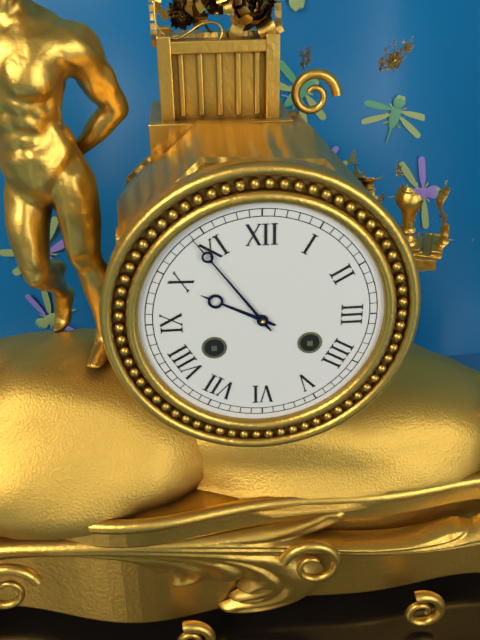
9:54
